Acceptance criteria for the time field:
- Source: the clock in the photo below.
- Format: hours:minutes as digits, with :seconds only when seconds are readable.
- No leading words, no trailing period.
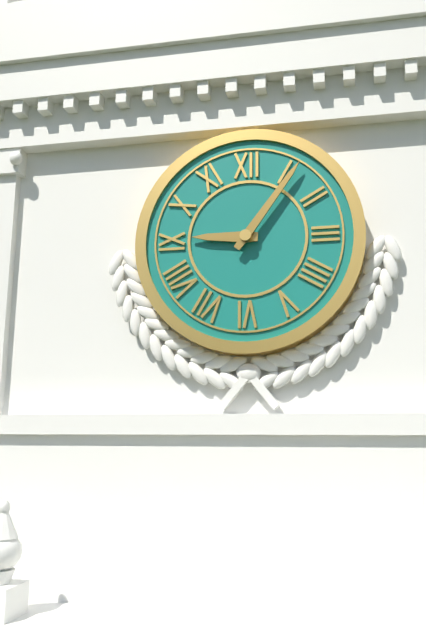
9:06
